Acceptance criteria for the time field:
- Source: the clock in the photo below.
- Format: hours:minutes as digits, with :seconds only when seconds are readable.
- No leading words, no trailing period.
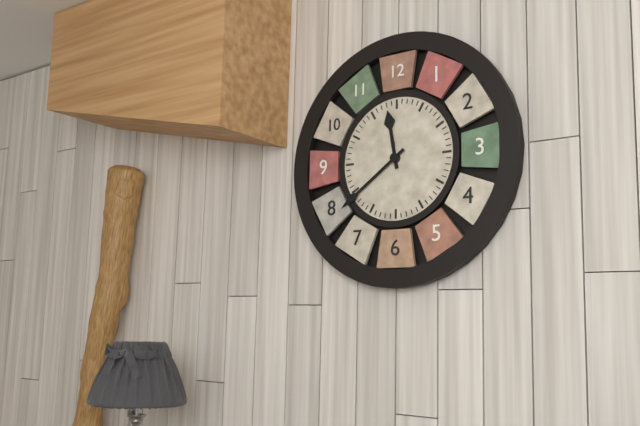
11:39
